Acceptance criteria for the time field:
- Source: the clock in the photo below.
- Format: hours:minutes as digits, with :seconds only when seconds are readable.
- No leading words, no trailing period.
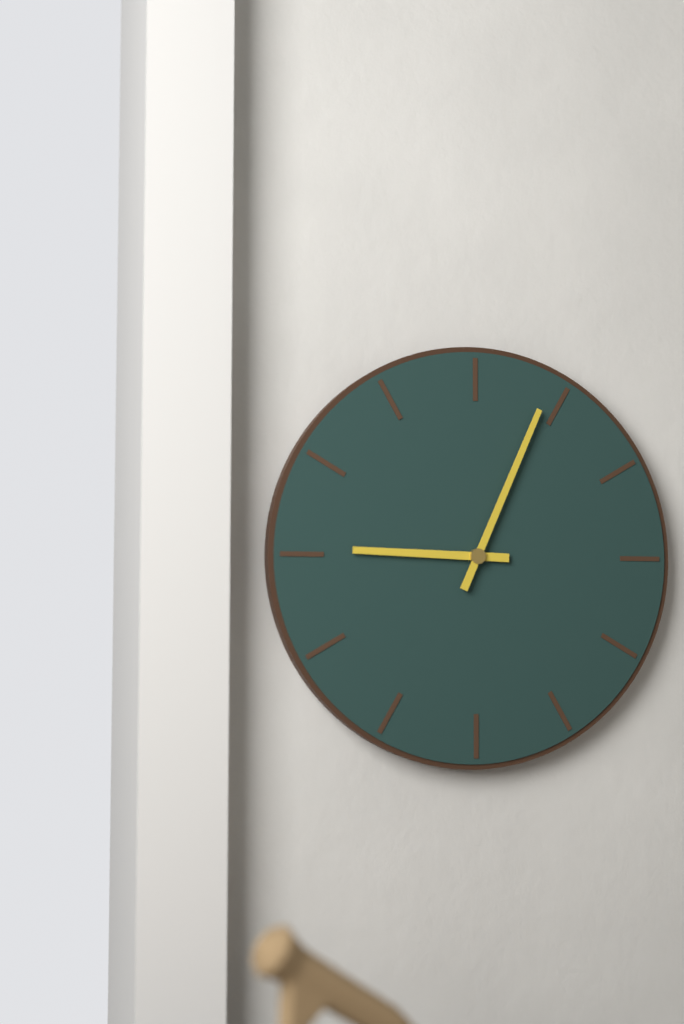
9:04
